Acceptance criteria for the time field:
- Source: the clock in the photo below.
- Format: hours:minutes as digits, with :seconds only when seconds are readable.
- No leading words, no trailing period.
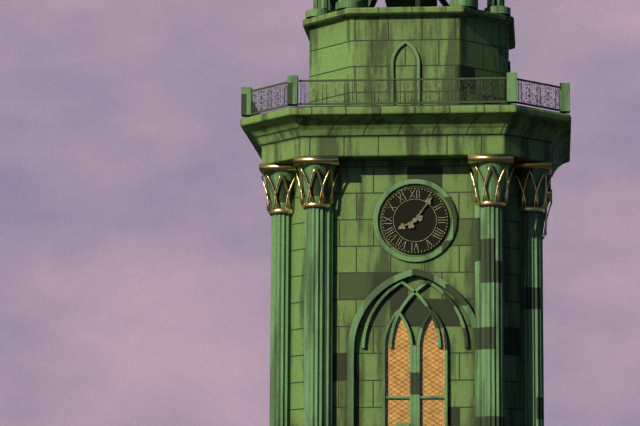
8:06
